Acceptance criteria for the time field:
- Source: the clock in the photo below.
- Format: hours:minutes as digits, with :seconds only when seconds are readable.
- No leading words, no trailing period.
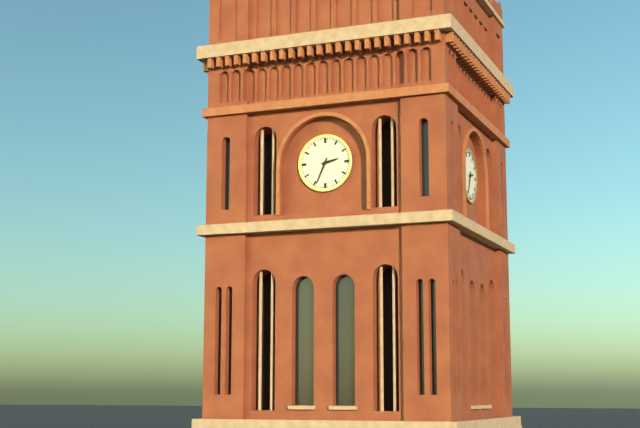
2:34
